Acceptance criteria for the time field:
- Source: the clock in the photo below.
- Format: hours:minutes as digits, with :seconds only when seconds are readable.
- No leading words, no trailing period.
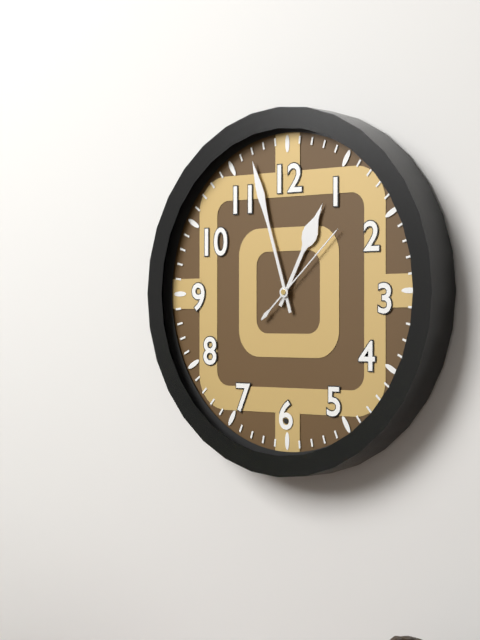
12:57:08
